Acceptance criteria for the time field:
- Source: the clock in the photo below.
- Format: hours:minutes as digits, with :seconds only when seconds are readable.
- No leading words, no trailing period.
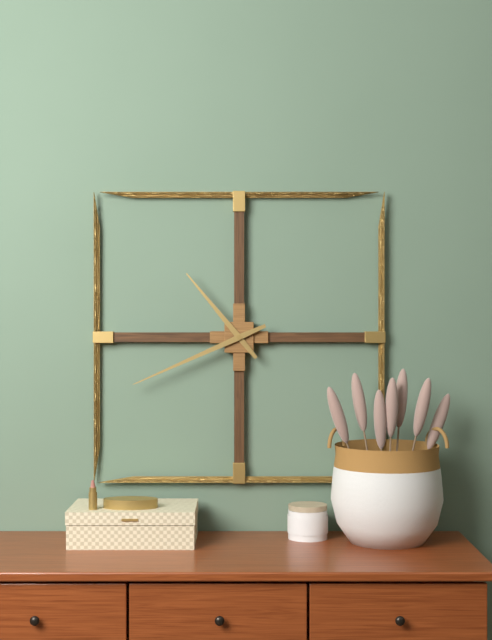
10:41
